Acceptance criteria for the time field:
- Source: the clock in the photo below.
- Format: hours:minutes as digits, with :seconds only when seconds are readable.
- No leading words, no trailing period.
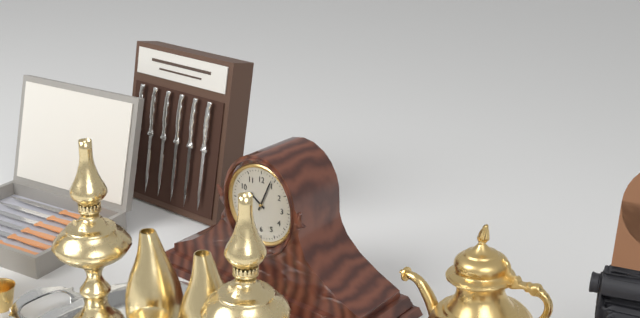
10:04
